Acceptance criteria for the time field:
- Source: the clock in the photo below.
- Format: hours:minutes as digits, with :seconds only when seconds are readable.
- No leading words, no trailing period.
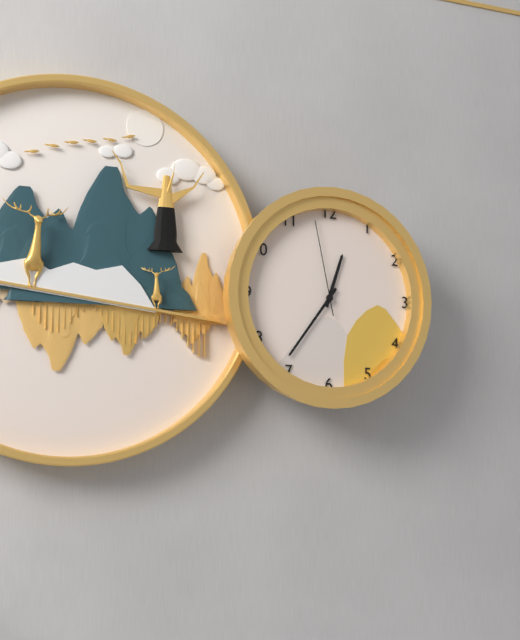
12:36:58
